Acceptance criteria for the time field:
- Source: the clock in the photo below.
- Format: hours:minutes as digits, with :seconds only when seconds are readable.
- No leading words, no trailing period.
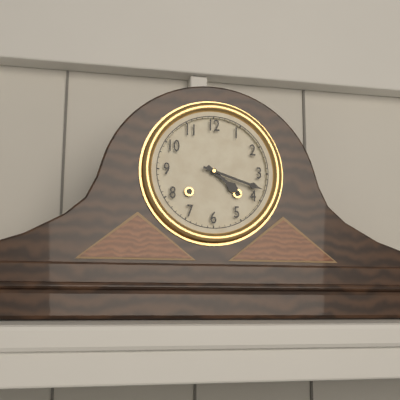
4:18
